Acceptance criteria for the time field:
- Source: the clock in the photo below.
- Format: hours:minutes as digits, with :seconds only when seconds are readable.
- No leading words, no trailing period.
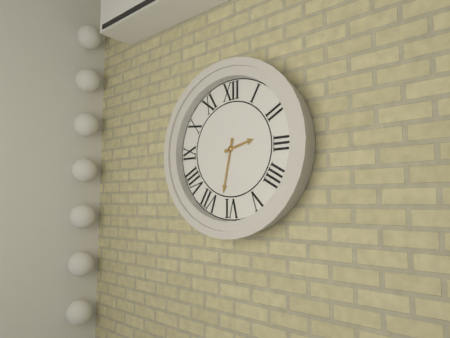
2:32
